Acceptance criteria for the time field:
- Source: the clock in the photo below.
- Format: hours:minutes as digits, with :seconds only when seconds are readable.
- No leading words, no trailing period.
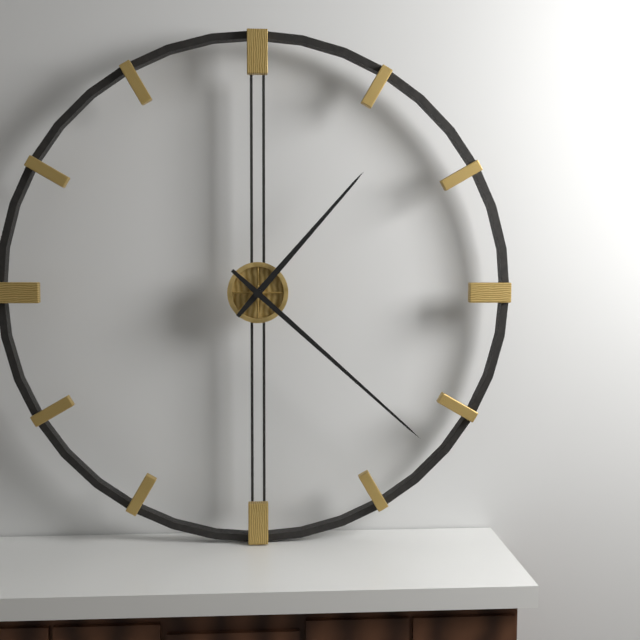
1:22
